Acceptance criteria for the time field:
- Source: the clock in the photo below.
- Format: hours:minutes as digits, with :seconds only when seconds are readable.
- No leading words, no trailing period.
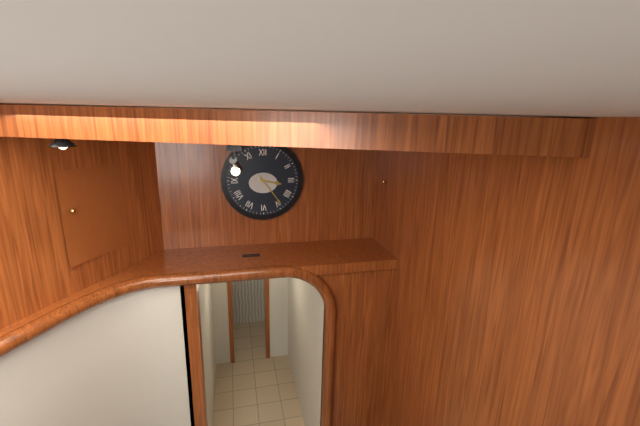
3:24
